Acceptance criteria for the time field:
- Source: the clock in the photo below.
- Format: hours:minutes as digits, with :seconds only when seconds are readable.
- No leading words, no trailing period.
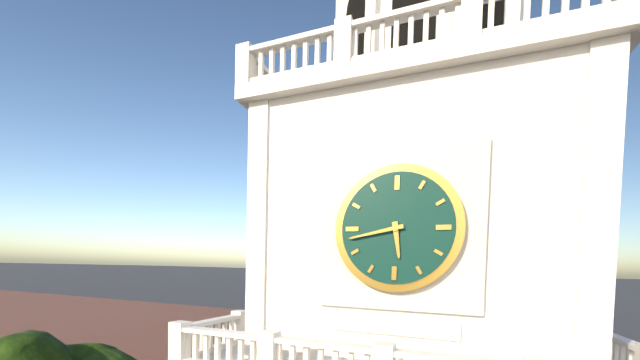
5:43
